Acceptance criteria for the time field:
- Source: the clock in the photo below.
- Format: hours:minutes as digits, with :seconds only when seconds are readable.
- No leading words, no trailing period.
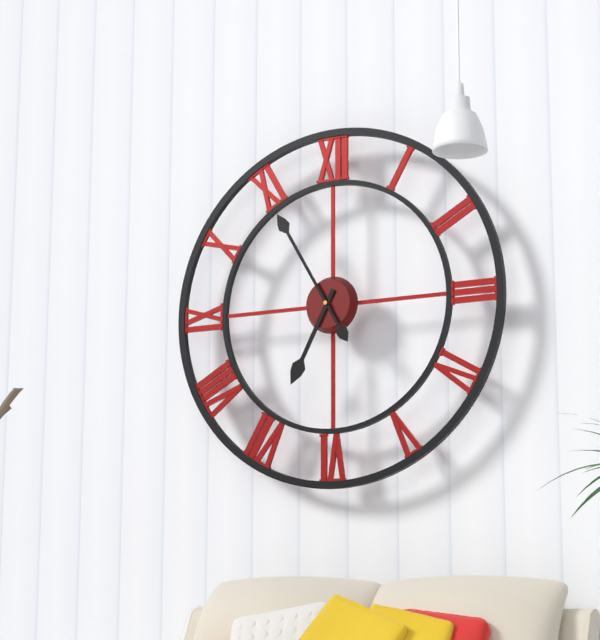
6:55
